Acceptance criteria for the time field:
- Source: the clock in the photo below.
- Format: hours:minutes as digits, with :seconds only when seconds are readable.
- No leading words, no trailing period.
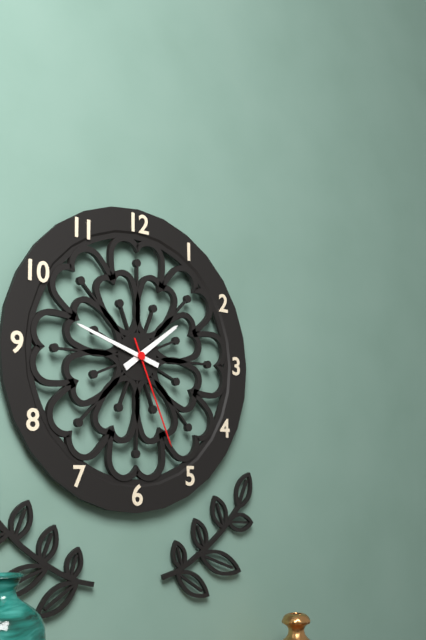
1:48:26
